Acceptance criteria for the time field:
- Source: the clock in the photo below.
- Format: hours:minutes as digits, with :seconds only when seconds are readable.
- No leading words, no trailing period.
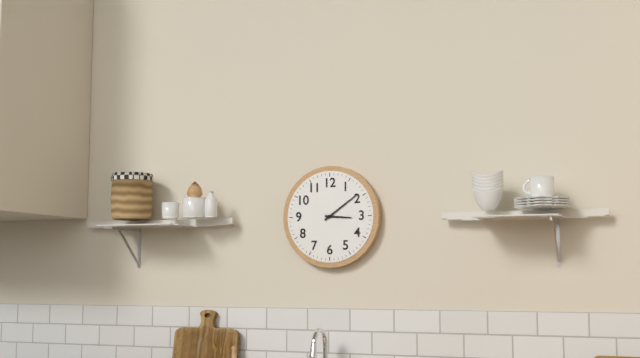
3:09
